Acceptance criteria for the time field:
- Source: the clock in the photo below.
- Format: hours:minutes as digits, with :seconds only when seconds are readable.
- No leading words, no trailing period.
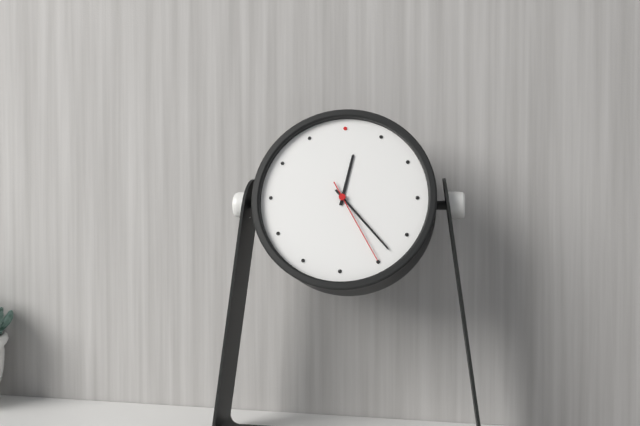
12:23:25
